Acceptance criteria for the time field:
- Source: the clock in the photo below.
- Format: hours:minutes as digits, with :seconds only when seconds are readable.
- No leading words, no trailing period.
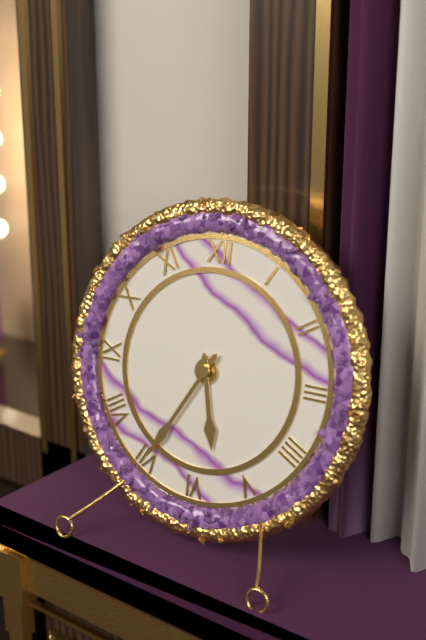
5:35
